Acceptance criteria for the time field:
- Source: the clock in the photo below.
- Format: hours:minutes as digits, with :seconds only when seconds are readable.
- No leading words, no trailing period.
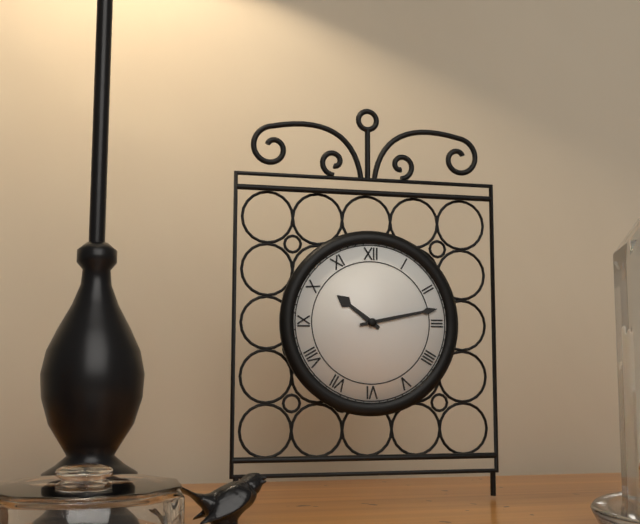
10:13
